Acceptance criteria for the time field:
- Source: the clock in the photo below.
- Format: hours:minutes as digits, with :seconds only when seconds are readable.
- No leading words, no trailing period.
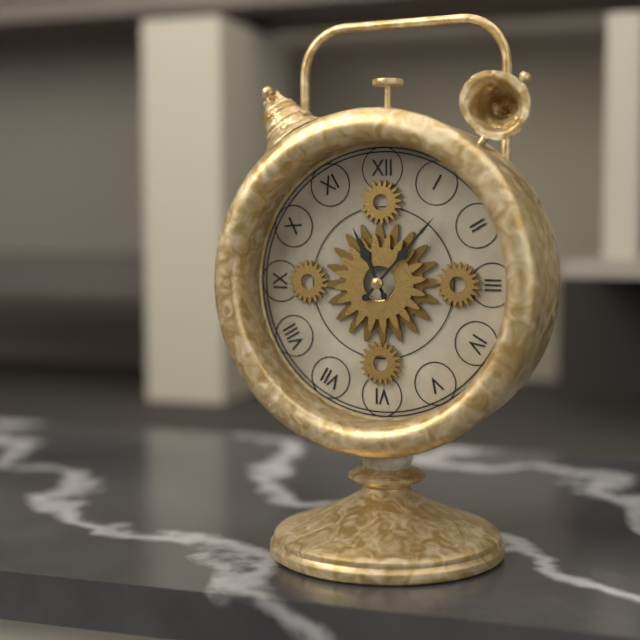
11:07
